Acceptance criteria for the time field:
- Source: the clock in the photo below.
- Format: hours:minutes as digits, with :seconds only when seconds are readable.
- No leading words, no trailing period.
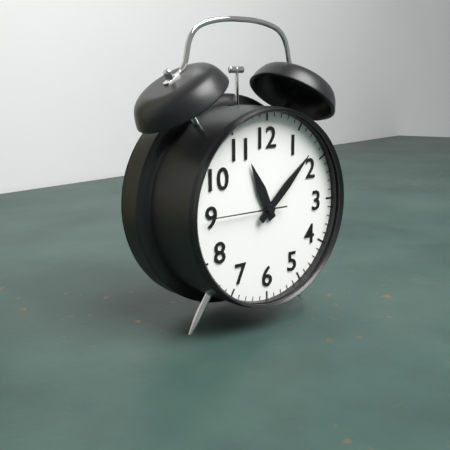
11:08:45
